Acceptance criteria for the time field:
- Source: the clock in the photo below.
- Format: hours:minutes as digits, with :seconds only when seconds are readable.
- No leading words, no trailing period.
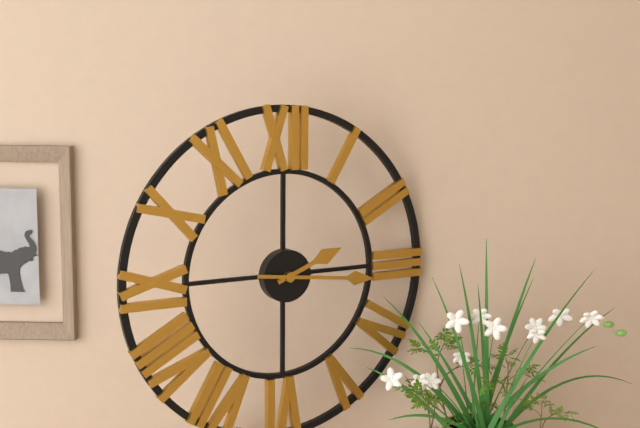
2:16
